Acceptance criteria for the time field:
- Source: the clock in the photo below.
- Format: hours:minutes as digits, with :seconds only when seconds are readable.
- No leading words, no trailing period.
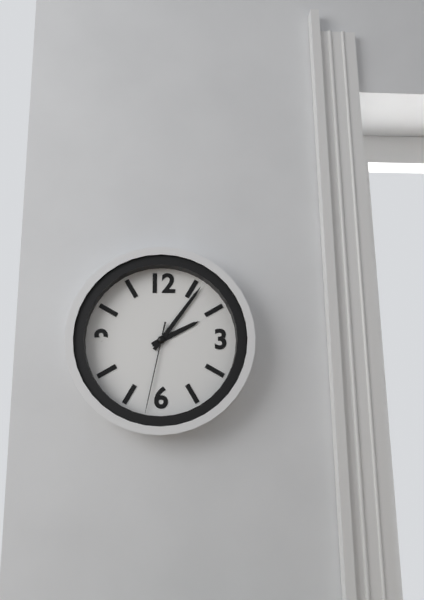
2:06:32
